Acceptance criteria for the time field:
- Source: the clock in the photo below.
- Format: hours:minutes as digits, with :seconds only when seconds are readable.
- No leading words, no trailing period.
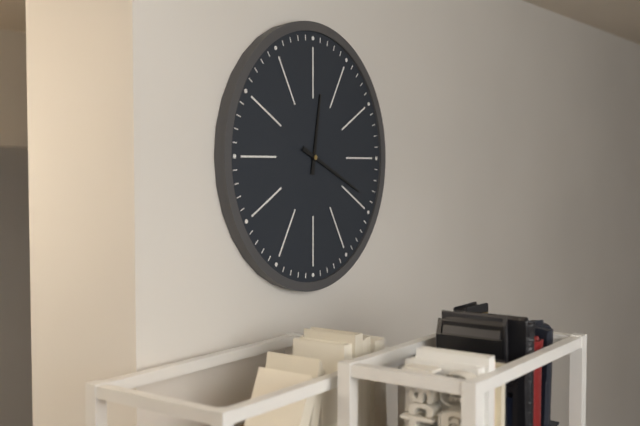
12:19
